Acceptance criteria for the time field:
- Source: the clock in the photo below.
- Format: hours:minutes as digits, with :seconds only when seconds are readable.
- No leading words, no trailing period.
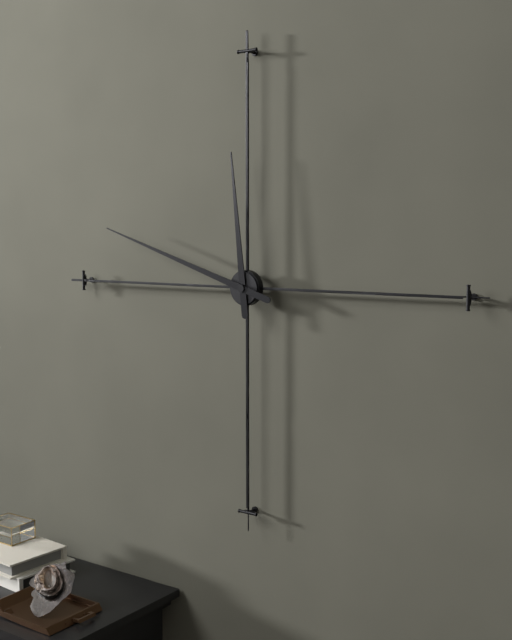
11:48
